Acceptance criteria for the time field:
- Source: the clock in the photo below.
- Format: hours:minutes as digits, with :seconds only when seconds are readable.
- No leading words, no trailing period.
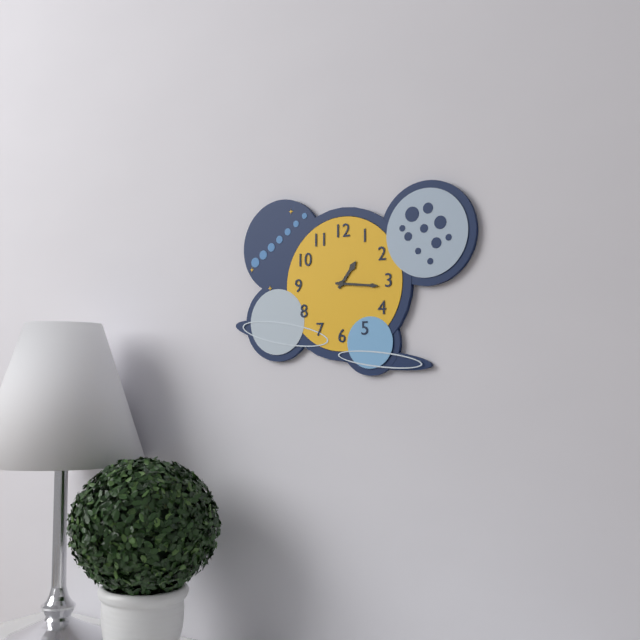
1:16
